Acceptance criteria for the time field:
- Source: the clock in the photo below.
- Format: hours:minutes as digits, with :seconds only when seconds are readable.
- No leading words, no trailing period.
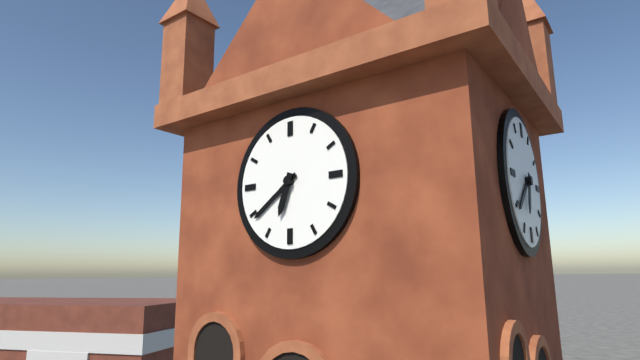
6:39
